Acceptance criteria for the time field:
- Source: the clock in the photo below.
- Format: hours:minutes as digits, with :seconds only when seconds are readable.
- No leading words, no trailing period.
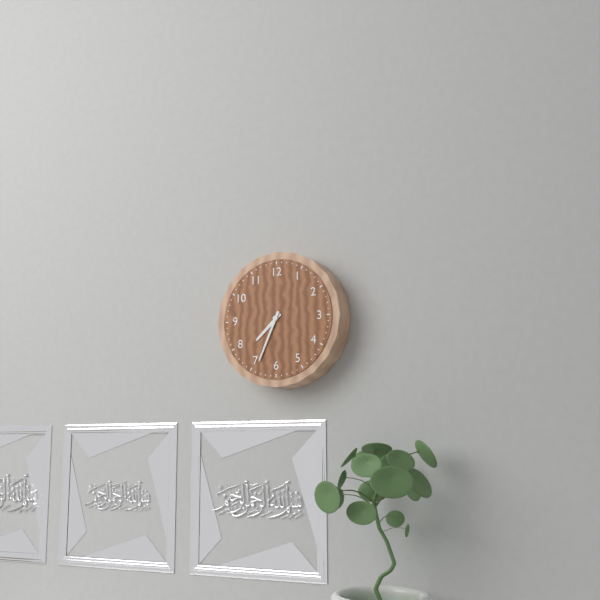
7:34
